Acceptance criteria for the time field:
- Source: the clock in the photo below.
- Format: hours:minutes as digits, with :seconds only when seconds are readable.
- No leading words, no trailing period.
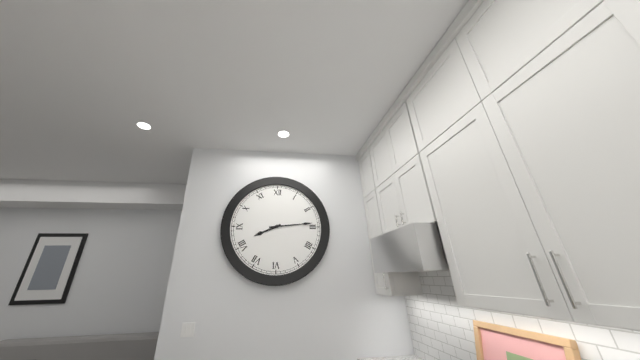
8:14
